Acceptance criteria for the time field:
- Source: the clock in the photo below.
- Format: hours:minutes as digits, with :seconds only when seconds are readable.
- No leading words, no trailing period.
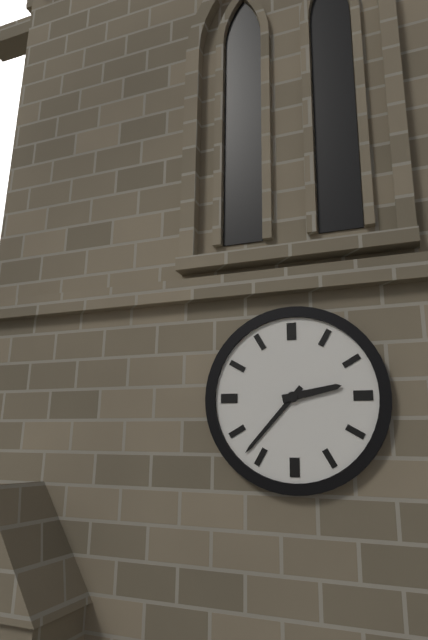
2:37
